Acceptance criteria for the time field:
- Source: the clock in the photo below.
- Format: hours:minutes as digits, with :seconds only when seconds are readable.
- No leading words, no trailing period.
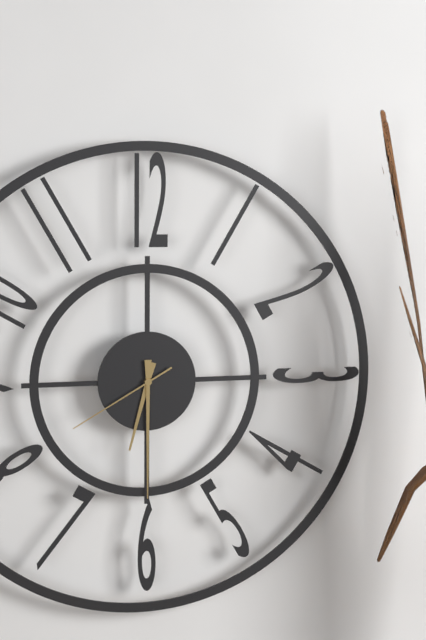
6:30:40
